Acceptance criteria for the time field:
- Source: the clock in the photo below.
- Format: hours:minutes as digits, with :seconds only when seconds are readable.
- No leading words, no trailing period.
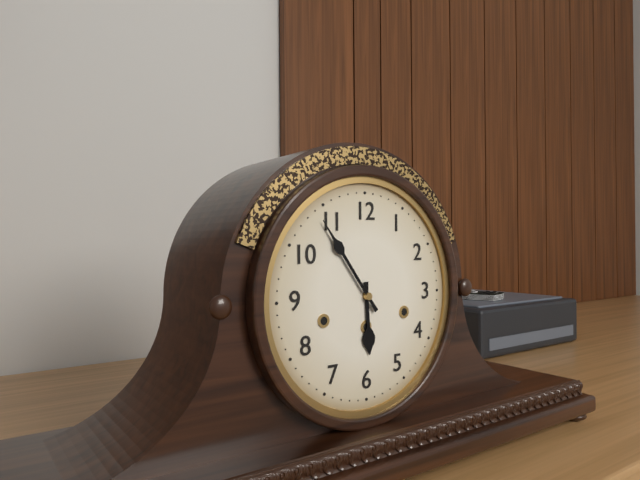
5:54
